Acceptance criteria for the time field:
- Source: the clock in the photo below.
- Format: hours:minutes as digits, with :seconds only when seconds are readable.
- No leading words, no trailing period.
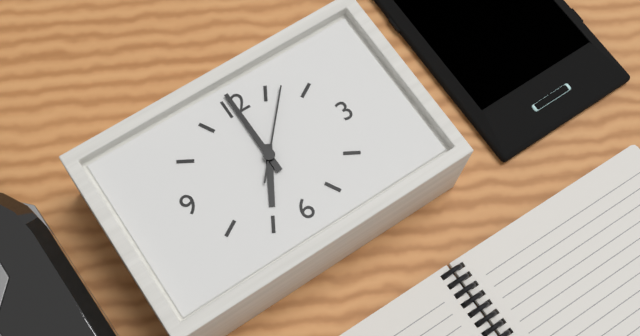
7:00:07
